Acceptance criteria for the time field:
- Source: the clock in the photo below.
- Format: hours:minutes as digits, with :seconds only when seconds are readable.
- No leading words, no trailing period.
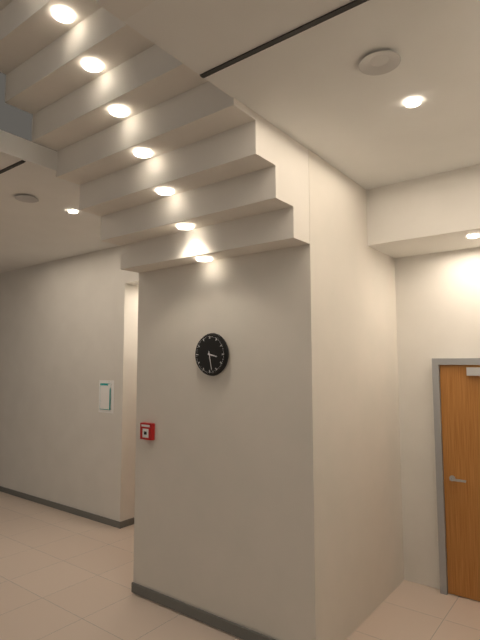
3:28
